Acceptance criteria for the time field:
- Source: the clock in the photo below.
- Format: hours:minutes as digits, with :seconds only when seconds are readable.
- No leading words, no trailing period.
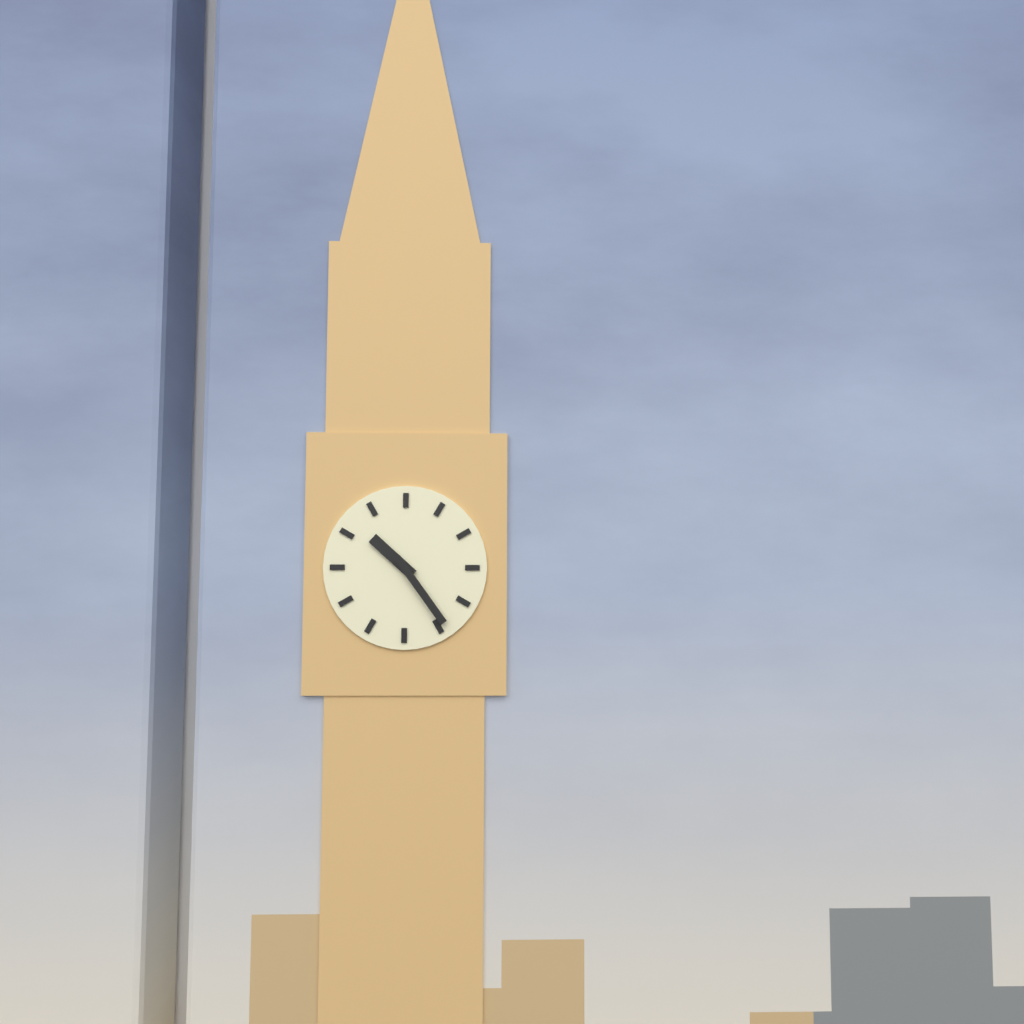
10:24
